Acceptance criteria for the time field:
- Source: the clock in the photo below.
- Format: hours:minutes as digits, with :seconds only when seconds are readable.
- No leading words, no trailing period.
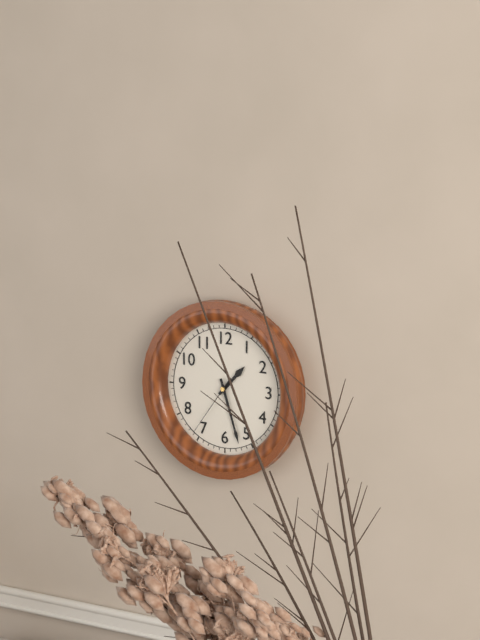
1:27:36
